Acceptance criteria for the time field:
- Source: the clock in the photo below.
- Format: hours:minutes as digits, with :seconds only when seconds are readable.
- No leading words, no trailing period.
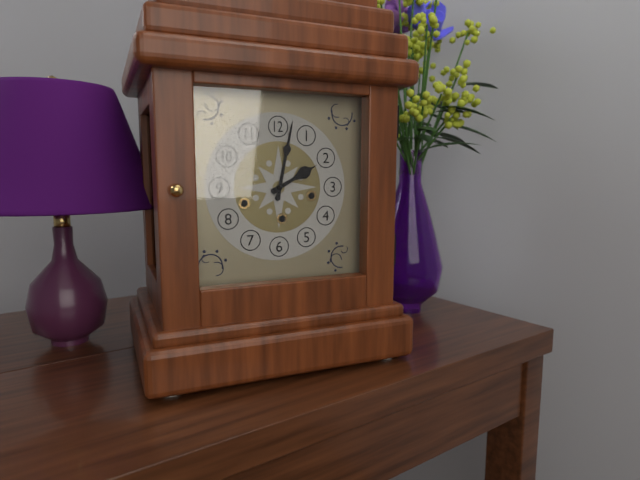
2:02
